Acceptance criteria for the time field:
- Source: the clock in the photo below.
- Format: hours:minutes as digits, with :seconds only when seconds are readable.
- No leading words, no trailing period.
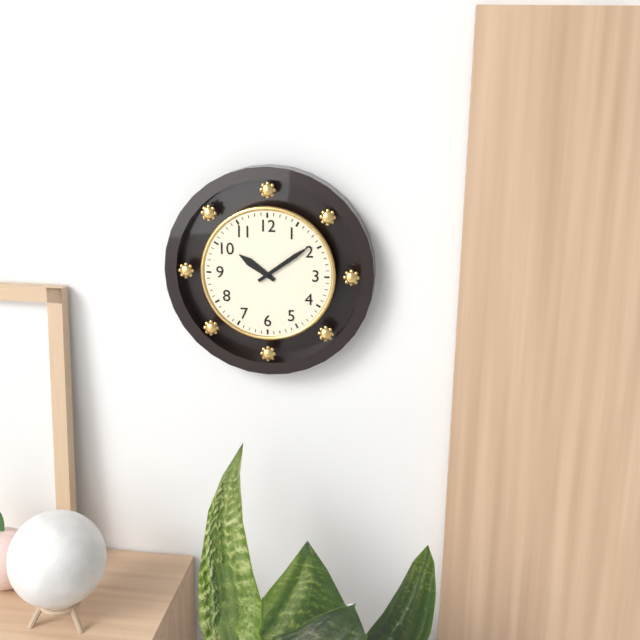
10:09
